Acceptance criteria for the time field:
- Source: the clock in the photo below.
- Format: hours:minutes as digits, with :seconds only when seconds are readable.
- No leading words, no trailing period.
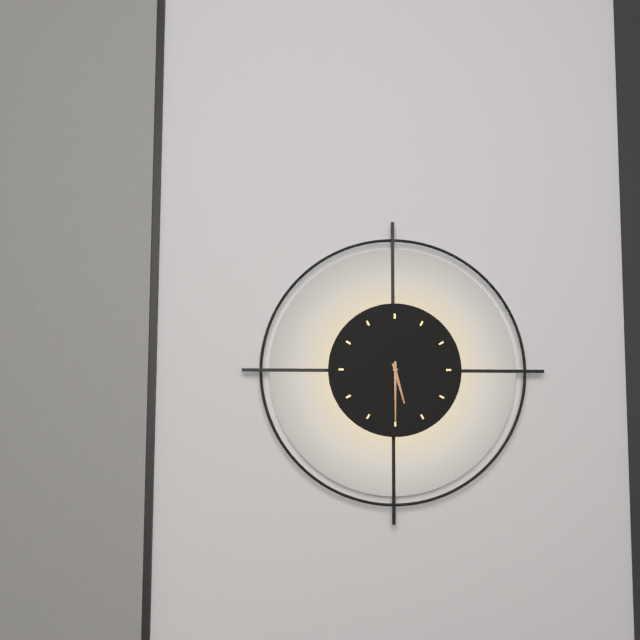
5:30
